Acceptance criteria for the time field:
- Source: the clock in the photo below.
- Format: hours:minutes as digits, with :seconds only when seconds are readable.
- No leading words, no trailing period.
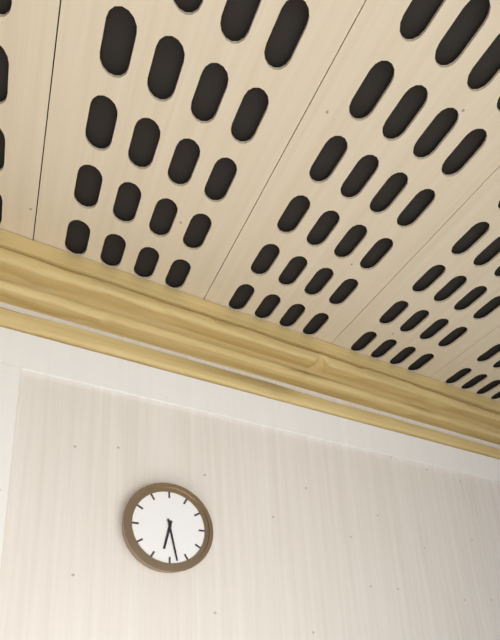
6:28
